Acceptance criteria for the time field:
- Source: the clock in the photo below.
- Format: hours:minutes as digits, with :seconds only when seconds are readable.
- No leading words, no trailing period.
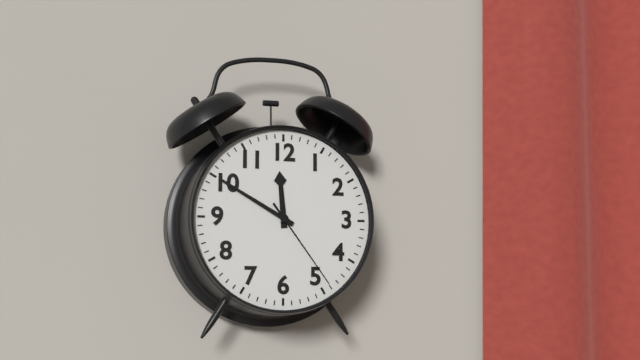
11:50:24
